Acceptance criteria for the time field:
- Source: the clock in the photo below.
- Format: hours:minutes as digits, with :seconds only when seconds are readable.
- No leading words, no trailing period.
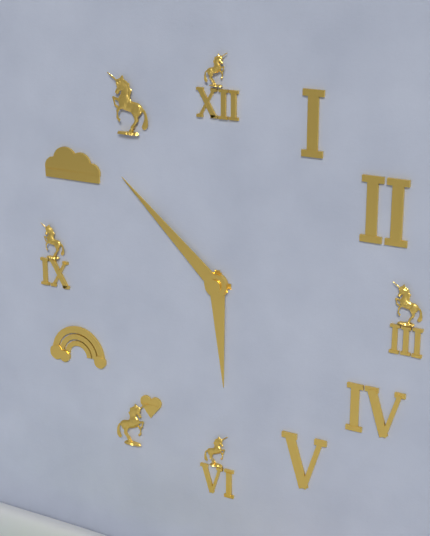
5:52
